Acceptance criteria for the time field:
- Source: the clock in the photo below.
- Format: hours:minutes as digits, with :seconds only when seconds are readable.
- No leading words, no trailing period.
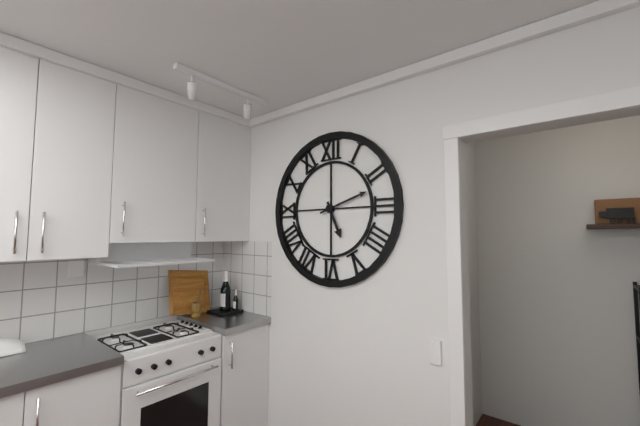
5:12
